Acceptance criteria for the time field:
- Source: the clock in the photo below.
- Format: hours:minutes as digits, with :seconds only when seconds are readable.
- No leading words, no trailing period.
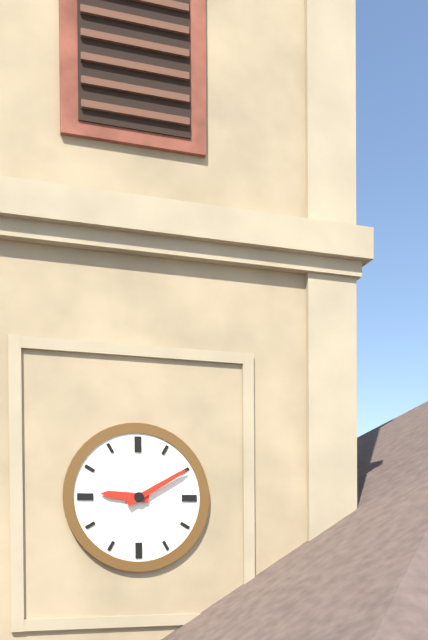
9:10
